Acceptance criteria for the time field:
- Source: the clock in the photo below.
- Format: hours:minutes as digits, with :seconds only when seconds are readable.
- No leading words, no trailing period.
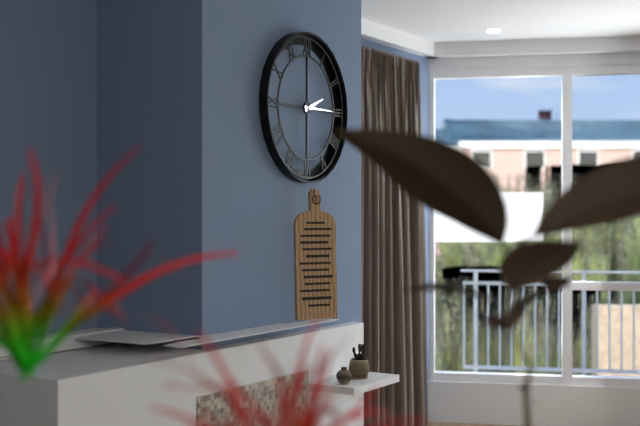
2:15
